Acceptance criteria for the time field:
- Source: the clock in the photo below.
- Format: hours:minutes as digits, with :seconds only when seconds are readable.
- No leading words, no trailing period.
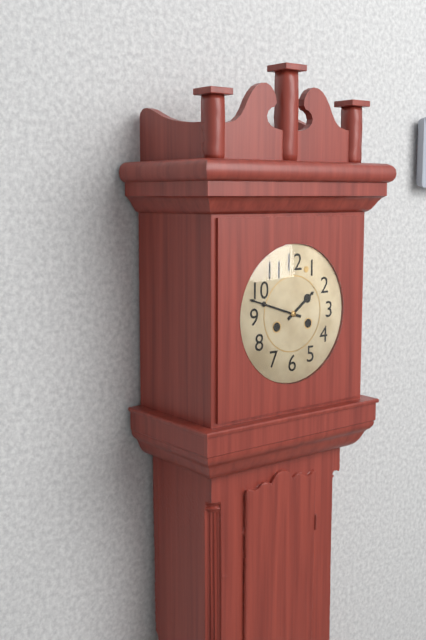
1:48
